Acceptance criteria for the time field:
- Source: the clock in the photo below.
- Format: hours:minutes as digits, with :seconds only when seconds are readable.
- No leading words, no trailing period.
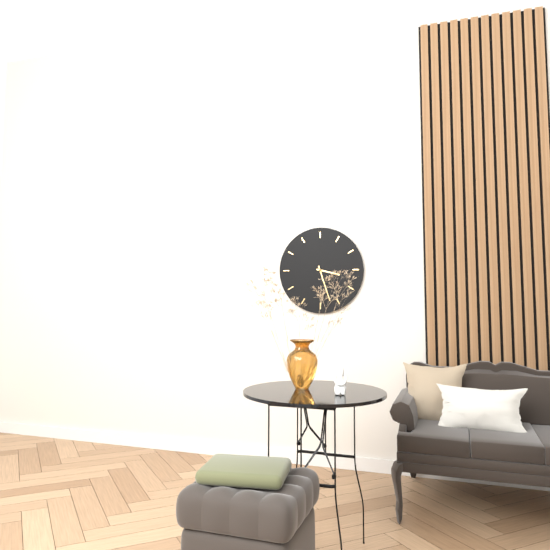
3:27
